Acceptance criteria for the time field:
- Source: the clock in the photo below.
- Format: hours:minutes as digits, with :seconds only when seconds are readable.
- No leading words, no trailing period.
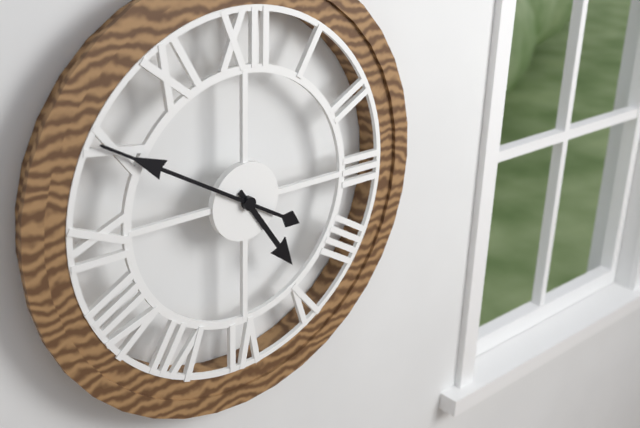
4:50
